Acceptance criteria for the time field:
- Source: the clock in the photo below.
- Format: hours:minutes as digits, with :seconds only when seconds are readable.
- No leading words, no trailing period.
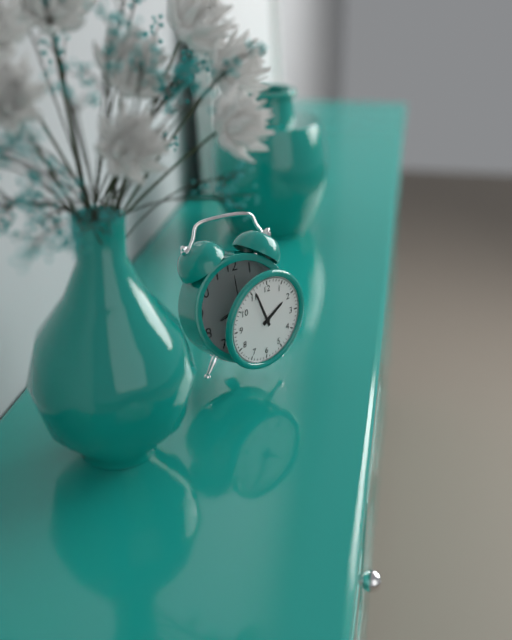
1:56
